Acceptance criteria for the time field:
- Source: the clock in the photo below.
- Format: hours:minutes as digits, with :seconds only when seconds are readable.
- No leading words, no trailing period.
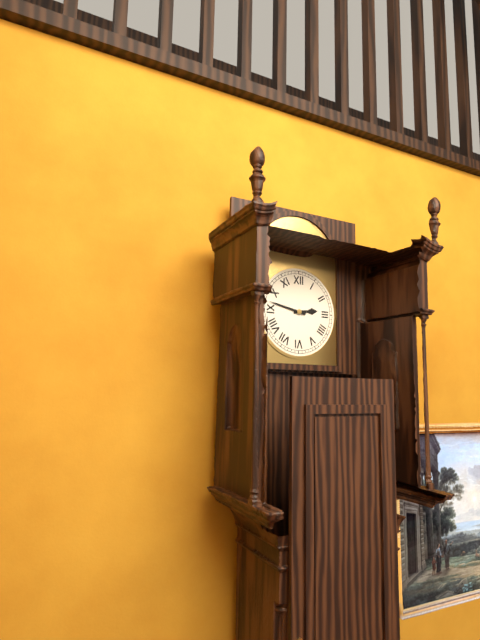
2:47
